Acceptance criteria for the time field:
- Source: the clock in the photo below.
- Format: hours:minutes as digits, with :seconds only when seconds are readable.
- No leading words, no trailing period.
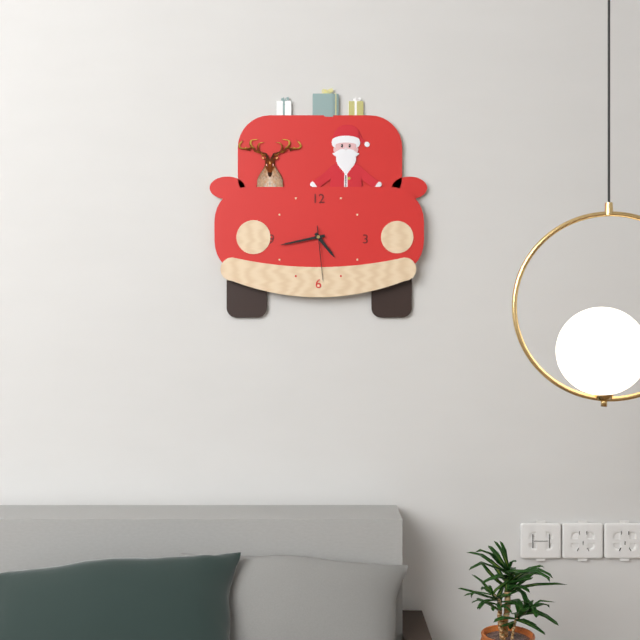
4:43:29
